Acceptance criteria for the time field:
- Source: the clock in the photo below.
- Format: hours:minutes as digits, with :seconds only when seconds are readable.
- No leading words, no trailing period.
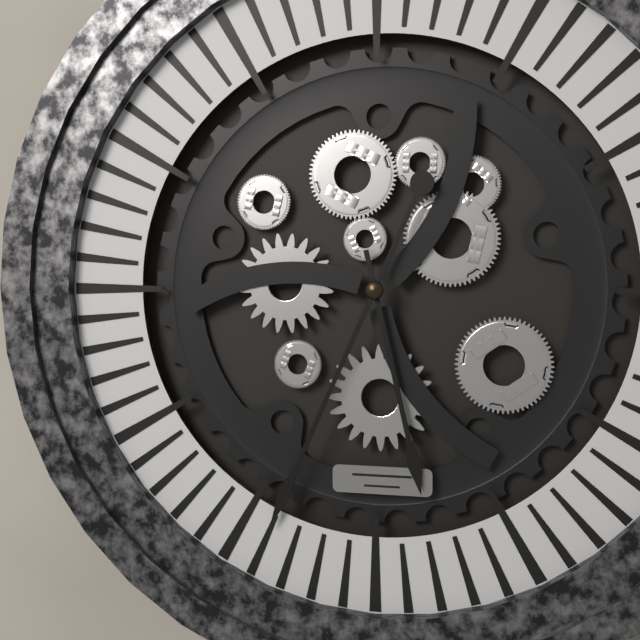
5:34
